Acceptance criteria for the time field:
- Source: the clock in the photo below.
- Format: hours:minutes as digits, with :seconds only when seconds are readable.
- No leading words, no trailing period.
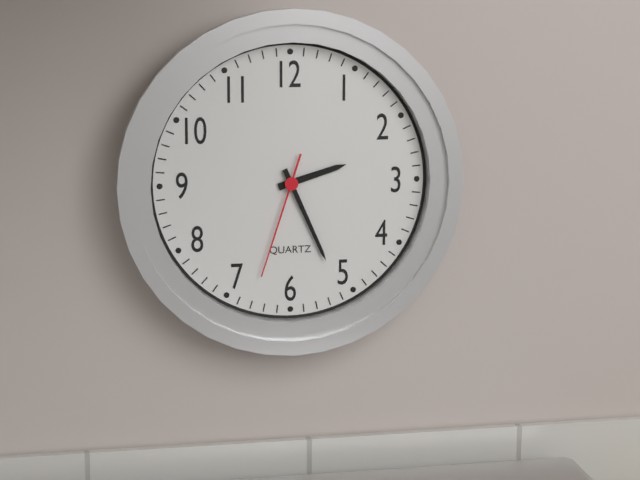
2:26:33
